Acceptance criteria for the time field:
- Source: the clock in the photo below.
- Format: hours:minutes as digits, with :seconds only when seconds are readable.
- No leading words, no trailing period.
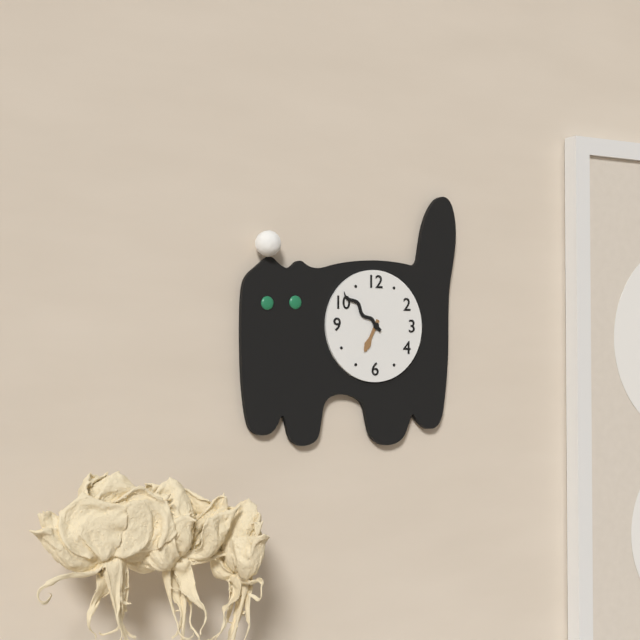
6:52
